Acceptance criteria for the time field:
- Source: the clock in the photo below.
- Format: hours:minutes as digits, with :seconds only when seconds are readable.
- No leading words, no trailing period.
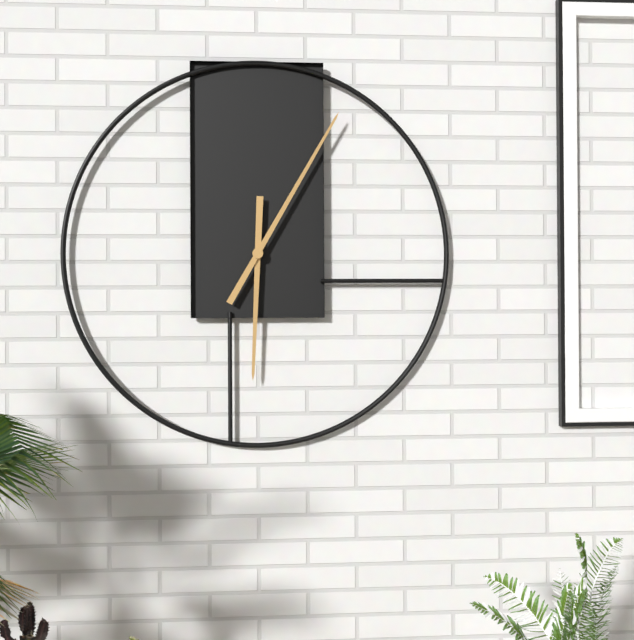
6:05
